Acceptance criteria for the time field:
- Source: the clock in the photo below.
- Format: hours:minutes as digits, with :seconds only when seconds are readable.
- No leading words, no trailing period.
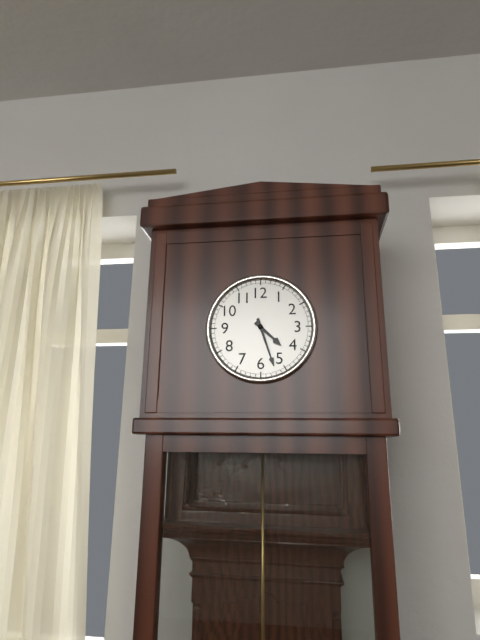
4:27
